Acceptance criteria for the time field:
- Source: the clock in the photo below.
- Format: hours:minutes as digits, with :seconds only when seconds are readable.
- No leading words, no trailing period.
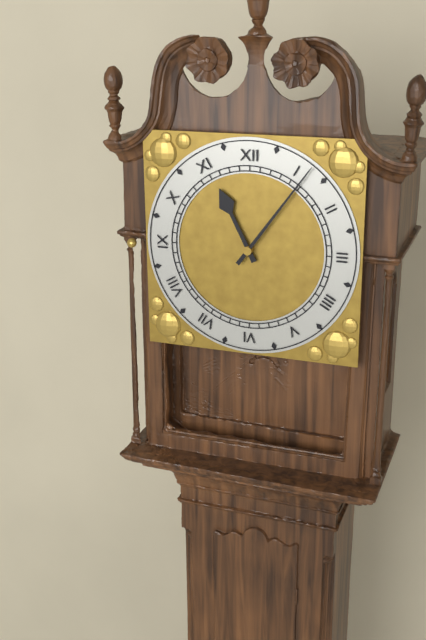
11:06
